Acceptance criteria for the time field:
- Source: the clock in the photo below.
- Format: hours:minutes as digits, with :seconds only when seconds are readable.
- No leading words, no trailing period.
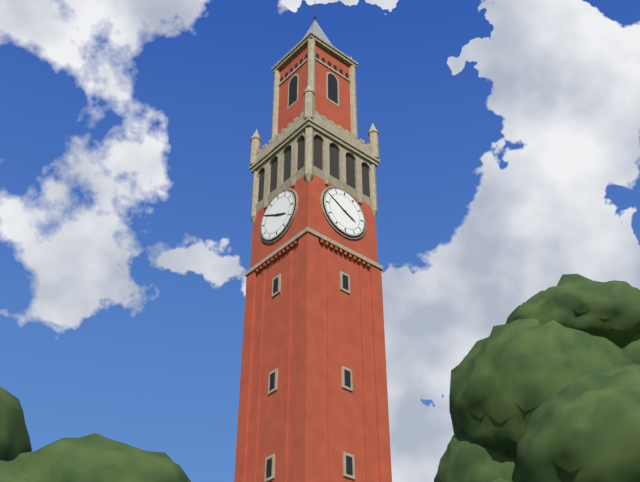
3:50
